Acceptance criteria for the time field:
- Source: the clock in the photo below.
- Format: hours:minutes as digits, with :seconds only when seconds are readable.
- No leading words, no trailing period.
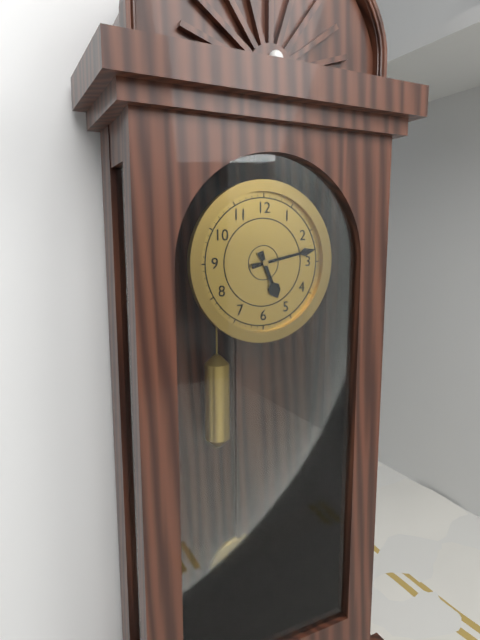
5:13
